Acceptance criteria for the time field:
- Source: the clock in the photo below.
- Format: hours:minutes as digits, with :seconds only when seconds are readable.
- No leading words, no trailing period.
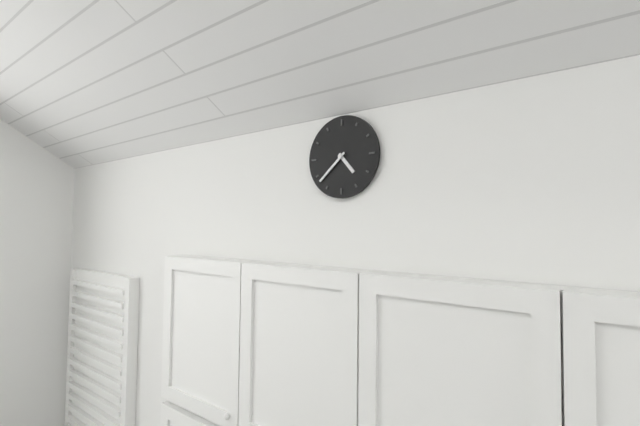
4:38
